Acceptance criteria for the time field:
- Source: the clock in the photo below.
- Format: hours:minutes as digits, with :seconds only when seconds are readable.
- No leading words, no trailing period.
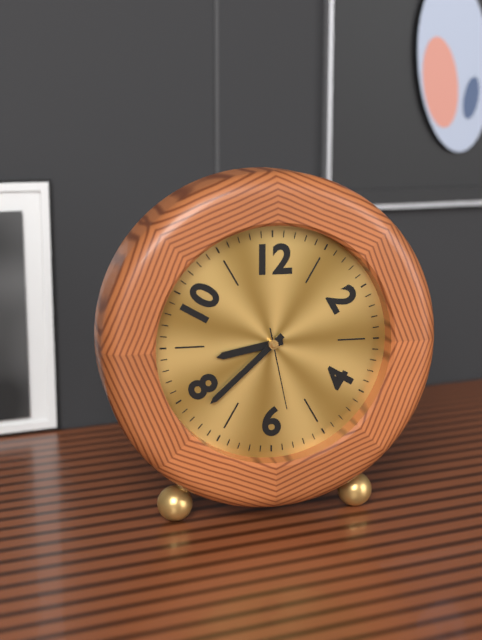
8:38:28
